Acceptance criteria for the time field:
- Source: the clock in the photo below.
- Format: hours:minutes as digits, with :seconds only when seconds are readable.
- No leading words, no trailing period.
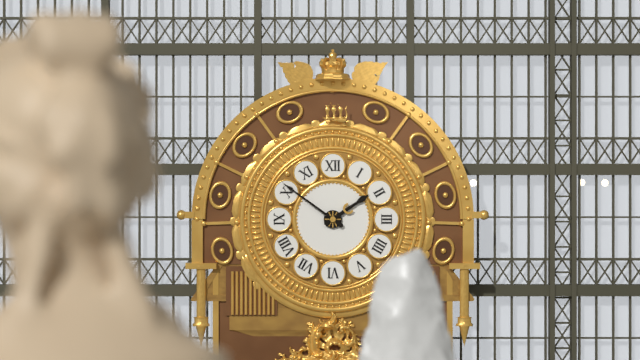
1:51
